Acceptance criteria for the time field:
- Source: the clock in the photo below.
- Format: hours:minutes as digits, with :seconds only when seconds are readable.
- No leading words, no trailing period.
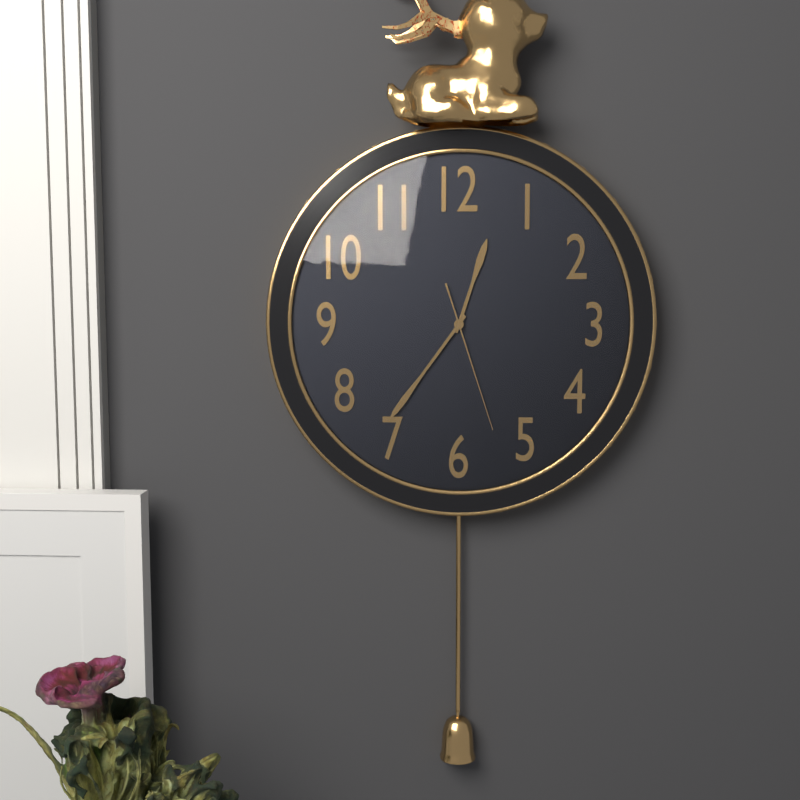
12:36:27
